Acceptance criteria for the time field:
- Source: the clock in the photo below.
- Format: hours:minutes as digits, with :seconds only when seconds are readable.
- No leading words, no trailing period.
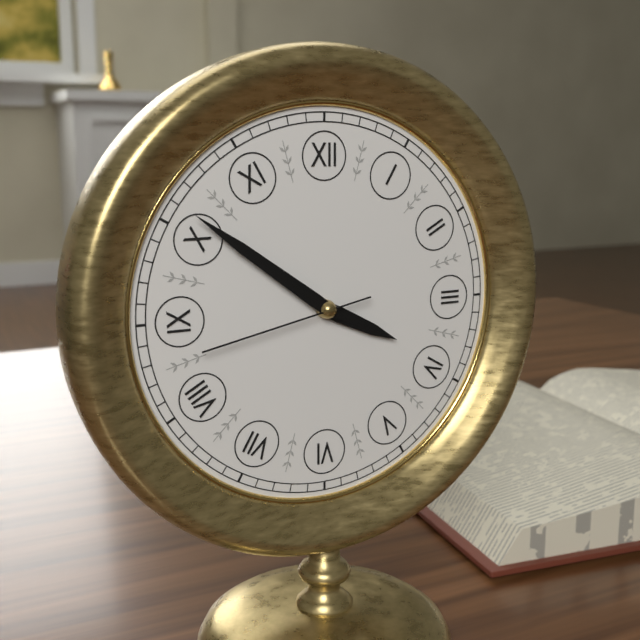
3:51:43
